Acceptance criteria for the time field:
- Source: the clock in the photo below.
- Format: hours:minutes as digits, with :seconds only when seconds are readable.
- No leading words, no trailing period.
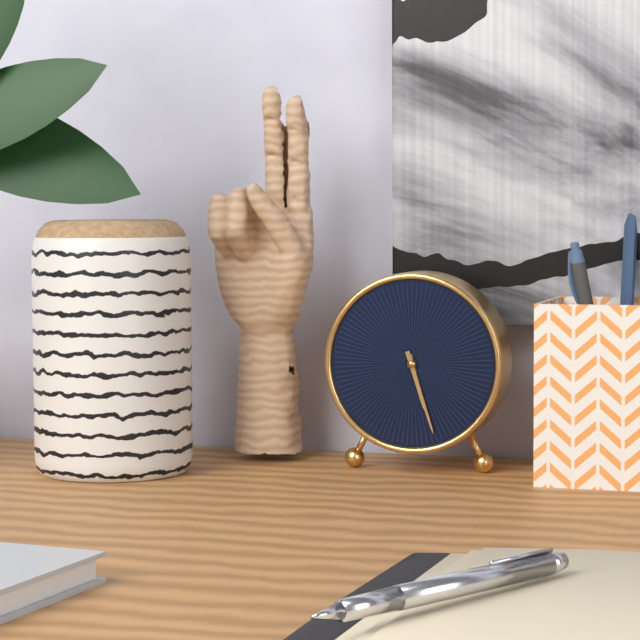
5:27
